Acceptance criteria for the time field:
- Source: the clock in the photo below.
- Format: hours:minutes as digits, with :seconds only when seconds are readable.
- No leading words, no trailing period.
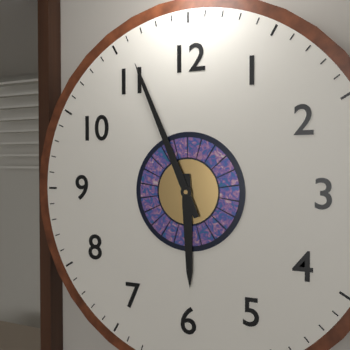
5:56
